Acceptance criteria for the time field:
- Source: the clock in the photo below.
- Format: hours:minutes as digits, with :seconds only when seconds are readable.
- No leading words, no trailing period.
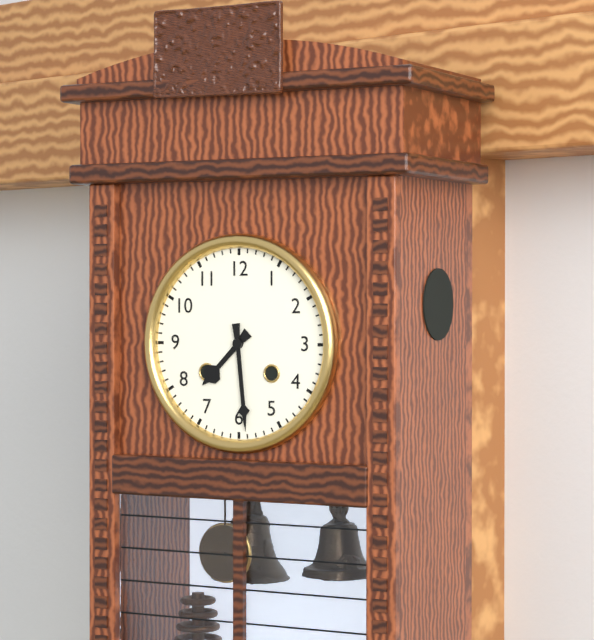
7:29
